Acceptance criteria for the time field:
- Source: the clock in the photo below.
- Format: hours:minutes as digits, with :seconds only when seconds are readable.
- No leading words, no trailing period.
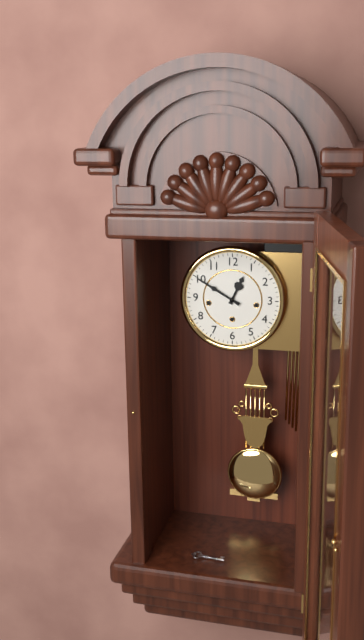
12:50
